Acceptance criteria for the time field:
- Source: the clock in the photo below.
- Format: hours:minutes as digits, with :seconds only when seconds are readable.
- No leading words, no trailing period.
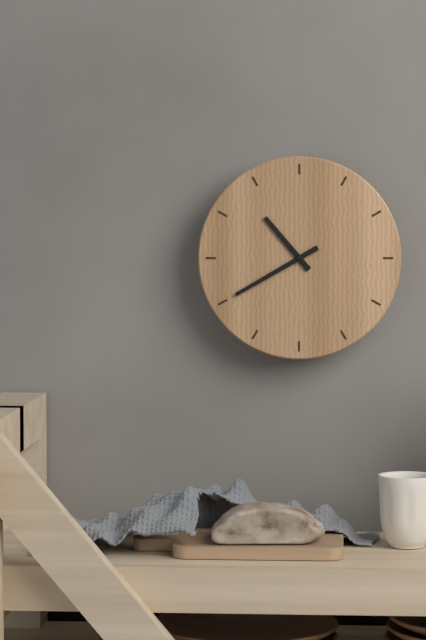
10:40
